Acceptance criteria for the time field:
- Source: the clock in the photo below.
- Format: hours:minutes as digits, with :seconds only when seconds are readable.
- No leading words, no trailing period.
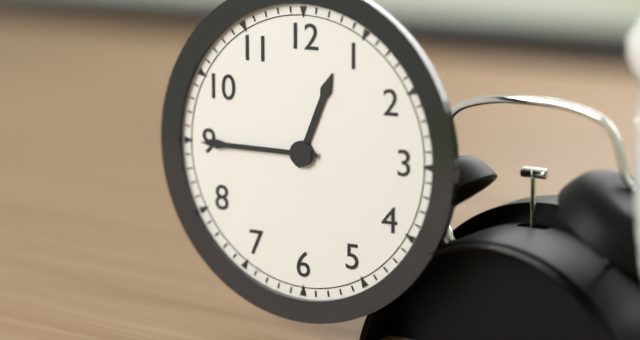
12:45
